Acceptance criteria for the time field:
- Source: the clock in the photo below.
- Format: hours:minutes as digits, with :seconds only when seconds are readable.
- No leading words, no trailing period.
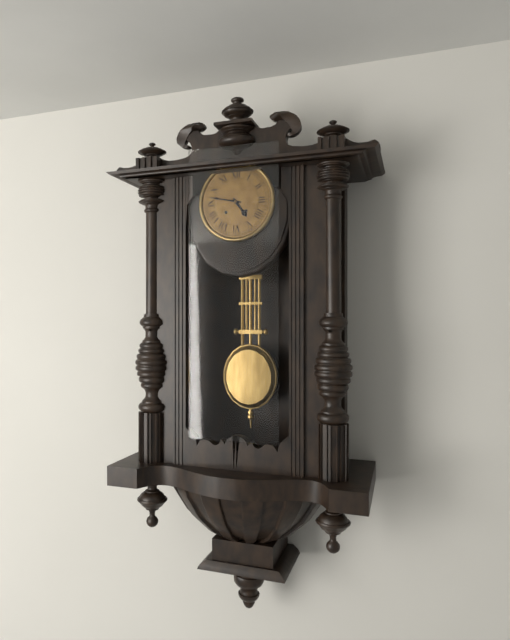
4:47
